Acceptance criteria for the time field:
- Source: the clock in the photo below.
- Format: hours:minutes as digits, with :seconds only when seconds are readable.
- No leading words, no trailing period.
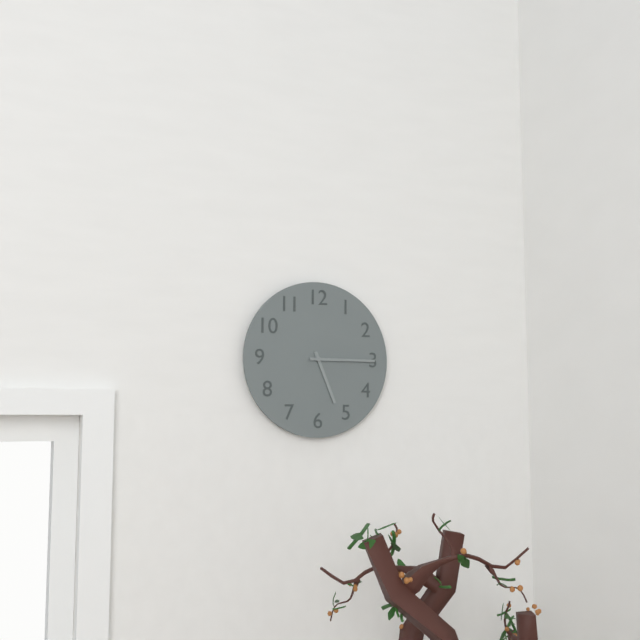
5:15
